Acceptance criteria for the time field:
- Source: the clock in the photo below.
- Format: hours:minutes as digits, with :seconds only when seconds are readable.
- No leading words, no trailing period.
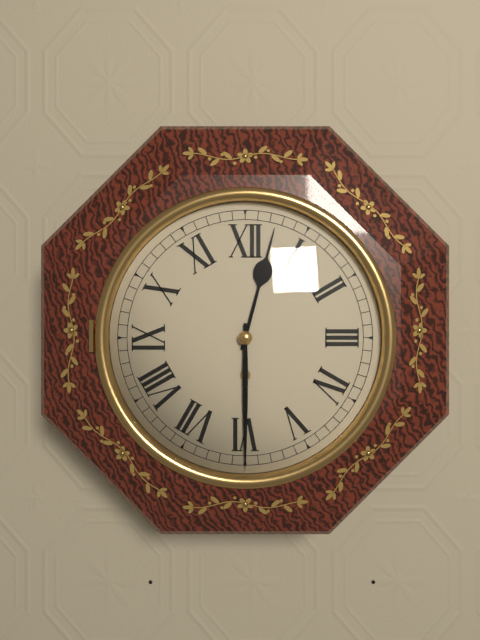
12:30
